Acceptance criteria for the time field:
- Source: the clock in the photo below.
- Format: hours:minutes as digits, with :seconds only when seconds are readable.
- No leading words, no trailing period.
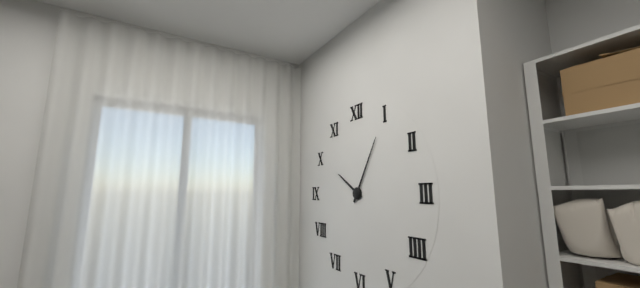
10:05
